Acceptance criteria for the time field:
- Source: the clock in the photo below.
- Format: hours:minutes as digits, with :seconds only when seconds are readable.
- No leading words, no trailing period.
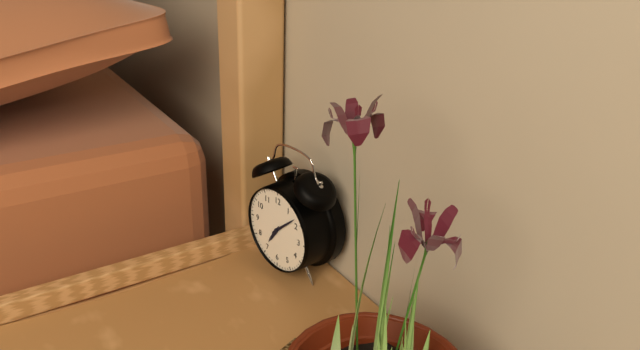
7:08
